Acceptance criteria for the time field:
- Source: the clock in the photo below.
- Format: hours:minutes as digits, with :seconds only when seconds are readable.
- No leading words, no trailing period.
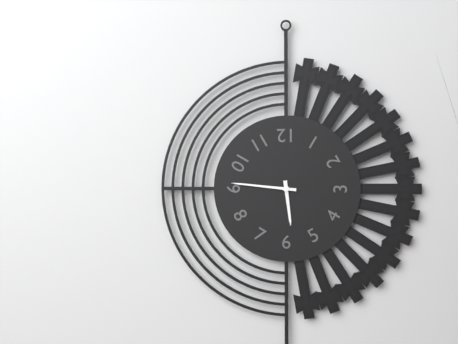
5:46
